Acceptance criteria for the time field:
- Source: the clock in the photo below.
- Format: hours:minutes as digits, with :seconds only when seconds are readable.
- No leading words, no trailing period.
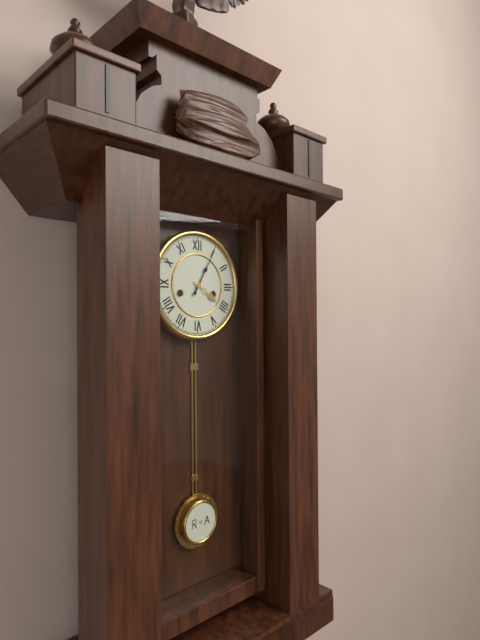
4:05
